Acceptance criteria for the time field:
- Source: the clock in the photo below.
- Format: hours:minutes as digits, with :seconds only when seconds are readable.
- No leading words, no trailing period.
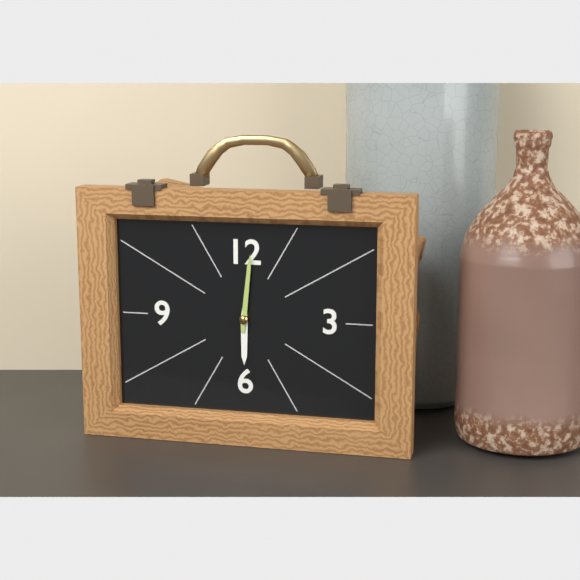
6:01
